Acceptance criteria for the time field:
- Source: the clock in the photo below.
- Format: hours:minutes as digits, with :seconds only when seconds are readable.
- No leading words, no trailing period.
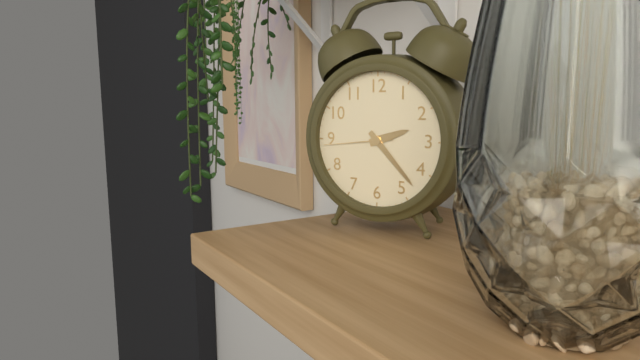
2:23:44
